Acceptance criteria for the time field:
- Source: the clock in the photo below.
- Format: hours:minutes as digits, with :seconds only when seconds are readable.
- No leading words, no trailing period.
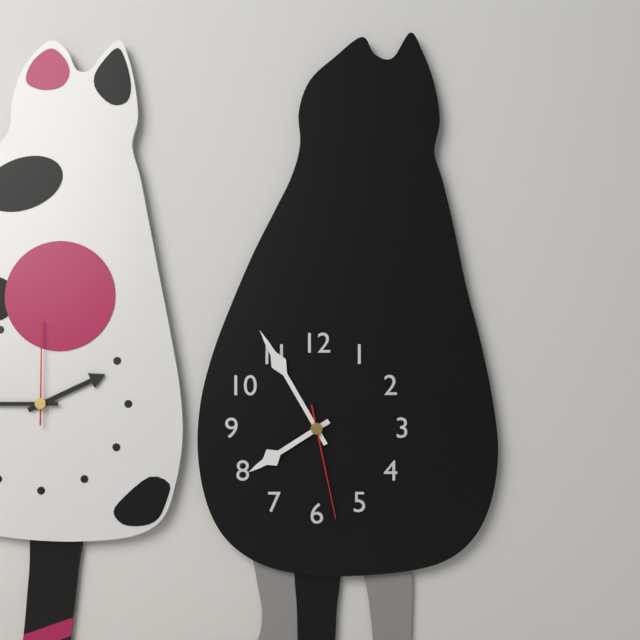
7:55:28
